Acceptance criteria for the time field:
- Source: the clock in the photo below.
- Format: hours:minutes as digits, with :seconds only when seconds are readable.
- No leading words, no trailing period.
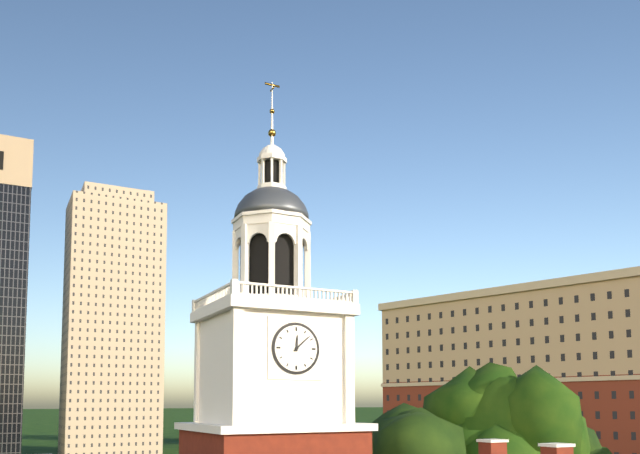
12:08
